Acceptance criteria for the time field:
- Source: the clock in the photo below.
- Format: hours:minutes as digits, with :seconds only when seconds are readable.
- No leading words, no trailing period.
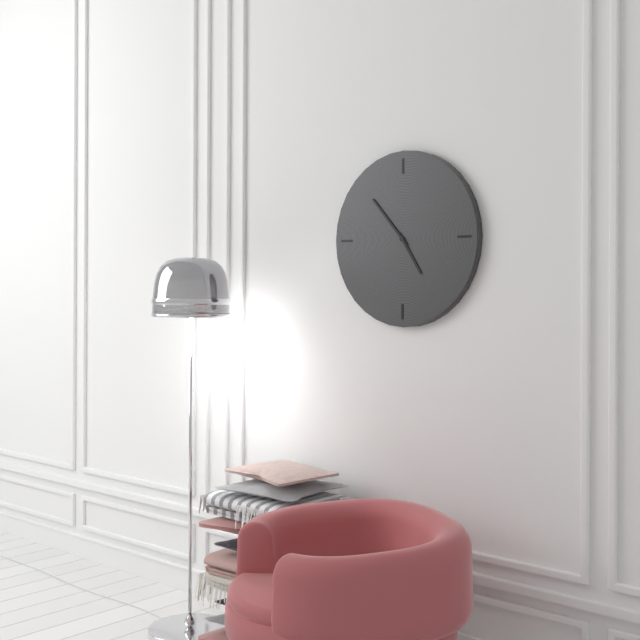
4:53
